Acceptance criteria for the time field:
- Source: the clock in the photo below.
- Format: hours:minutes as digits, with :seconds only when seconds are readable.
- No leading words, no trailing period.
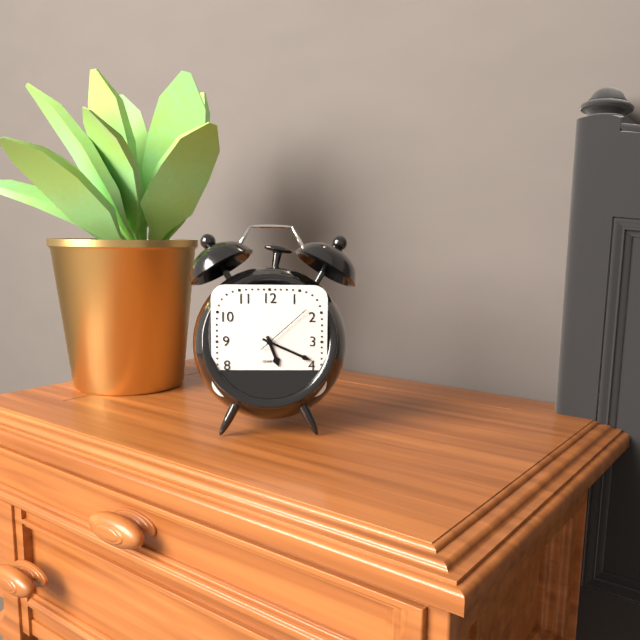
5:19:08
